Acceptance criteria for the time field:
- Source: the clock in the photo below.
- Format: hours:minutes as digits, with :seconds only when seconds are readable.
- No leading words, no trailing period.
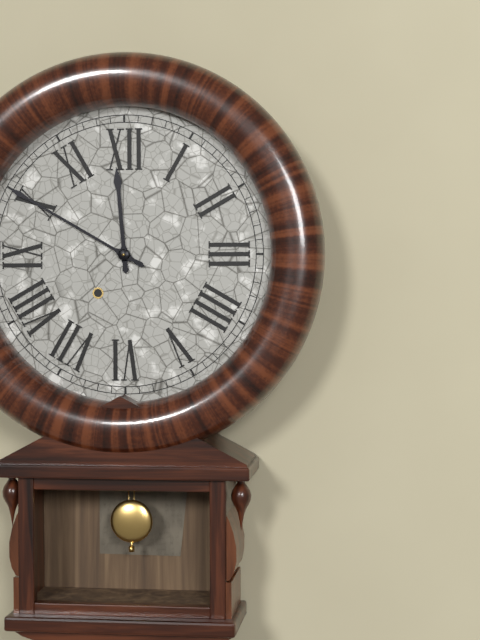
11:50
